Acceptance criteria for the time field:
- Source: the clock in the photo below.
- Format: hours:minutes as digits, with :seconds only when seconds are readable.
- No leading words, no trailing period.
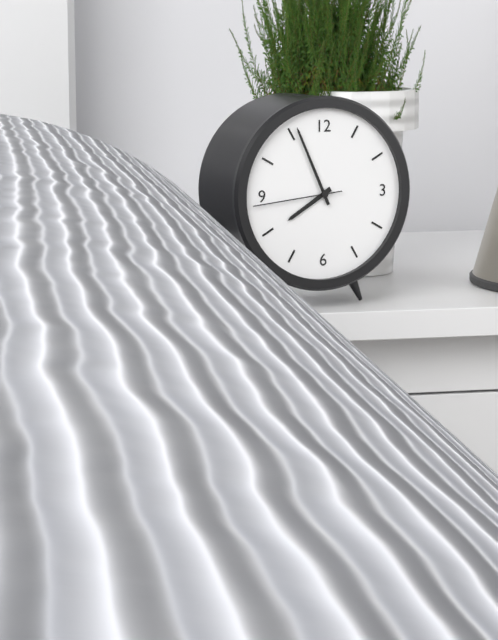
7:56:44
